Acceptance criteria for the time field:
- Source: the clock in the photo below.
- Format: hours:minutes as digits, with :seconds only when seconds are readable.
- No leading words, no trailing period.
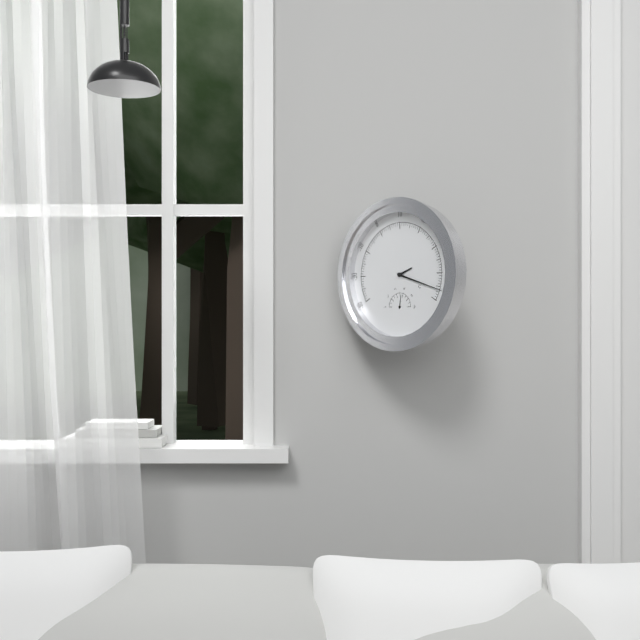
2:18
